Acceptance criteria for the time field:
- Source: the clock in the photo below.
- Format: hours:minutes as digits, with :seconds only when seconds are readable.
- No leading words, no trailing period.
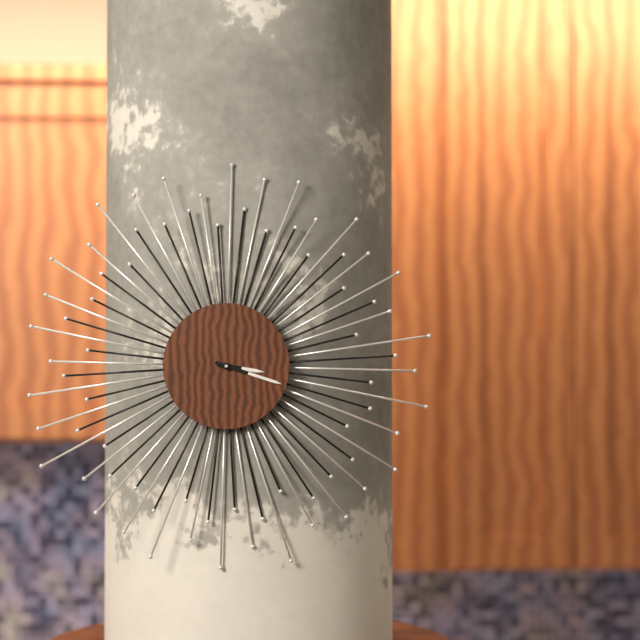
3:18
